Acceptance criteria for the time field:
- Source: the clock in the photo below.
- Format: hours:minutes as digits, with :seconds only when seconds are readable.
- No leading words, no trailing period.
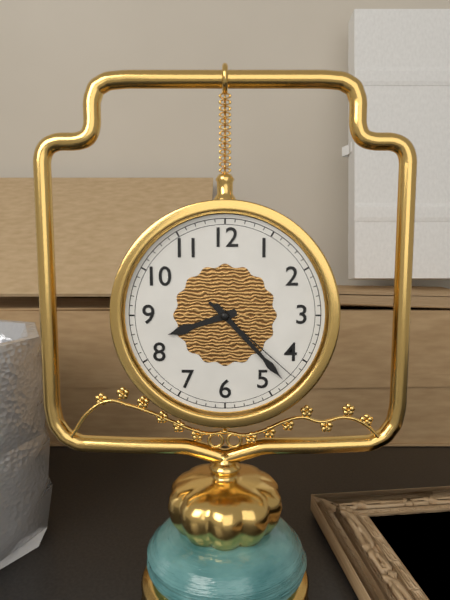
8:23:22
